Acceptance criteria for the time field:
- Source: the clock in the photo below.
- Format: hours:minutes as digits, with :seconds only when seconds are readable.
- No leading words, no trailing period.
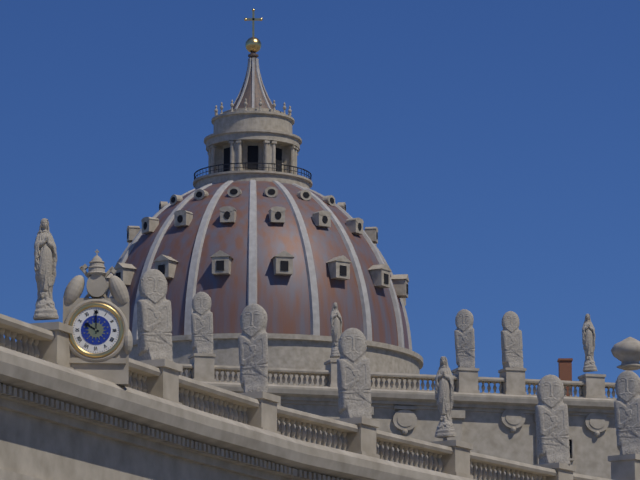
10:00
